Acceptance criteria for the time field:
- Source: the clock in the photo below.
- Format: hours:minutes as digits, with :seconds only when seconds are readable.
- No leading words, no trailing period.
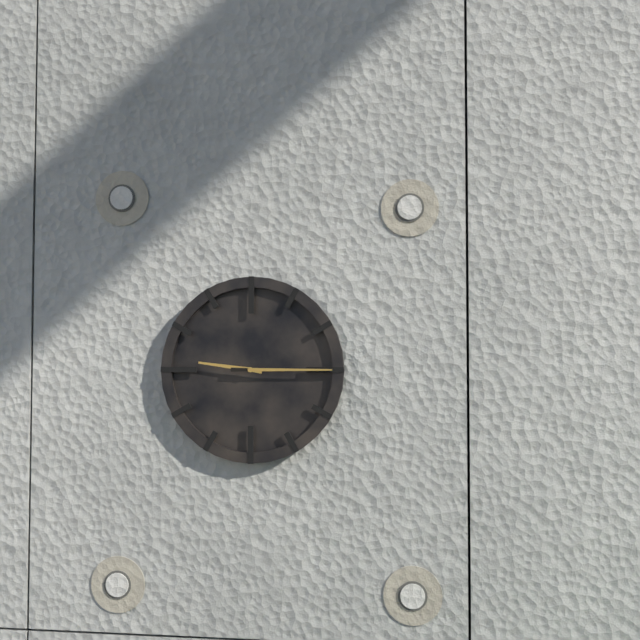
9:15
